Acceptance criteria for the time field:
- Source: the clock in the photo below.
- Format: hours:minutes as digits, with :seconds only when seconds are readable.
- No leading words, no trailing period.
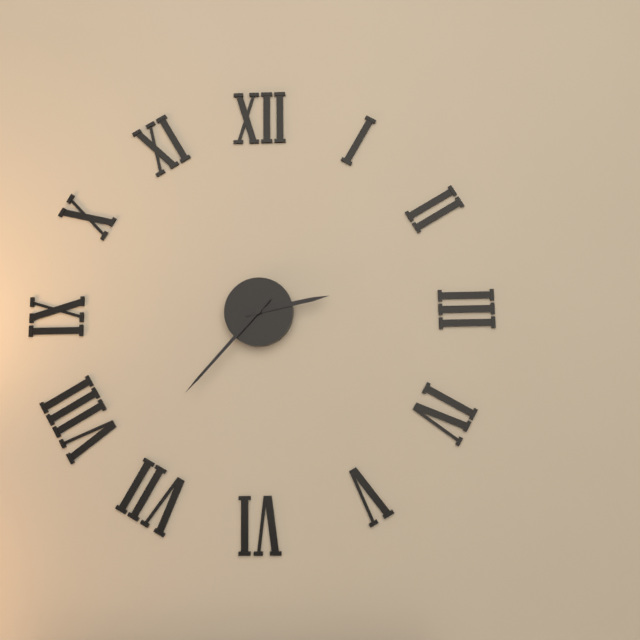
2:37
